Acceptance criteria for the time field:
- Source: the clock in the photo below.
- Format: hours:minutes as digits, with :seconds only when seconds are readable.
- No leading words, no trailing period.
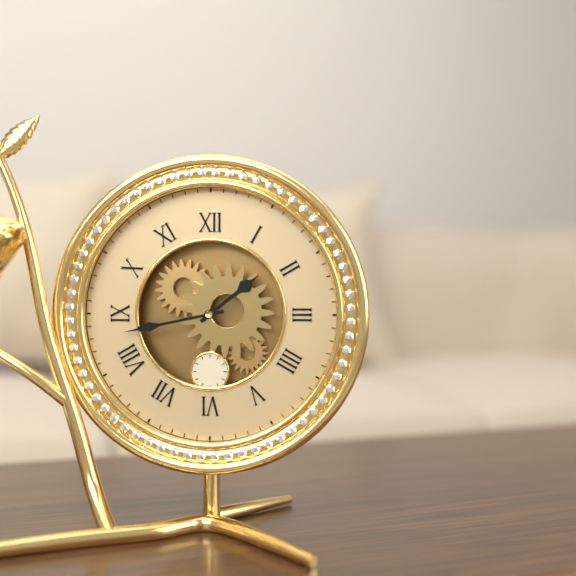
1:43
